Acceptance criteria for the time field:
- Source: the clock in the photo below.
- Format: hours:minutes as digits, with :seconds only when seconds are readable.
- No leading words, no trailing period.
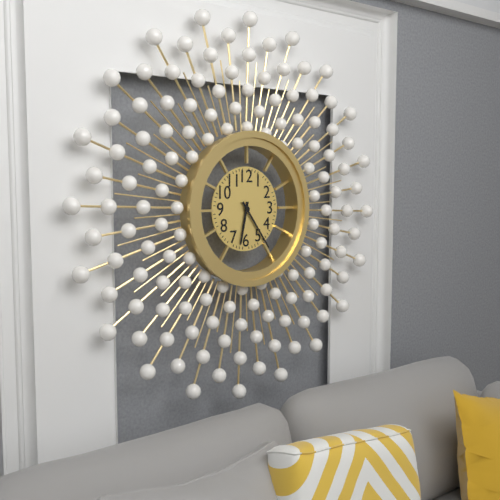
6:24
